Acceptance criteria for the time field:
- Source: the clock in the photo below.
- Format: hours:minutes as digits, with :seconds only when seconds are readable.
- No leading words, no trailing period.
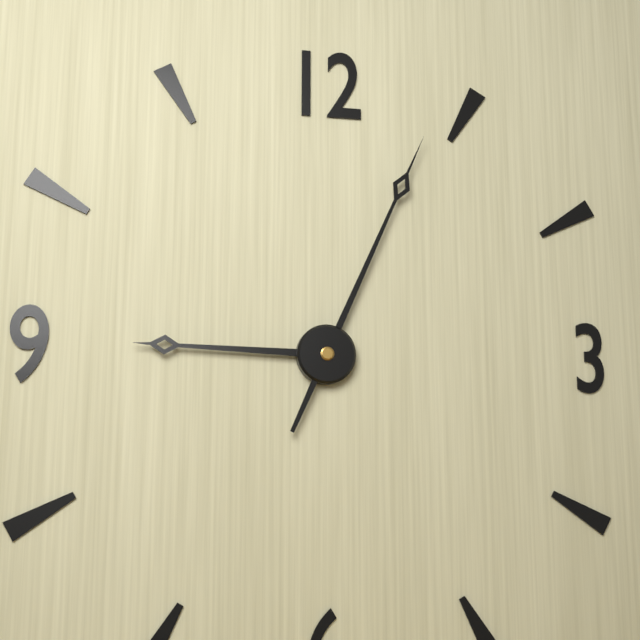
9:04
